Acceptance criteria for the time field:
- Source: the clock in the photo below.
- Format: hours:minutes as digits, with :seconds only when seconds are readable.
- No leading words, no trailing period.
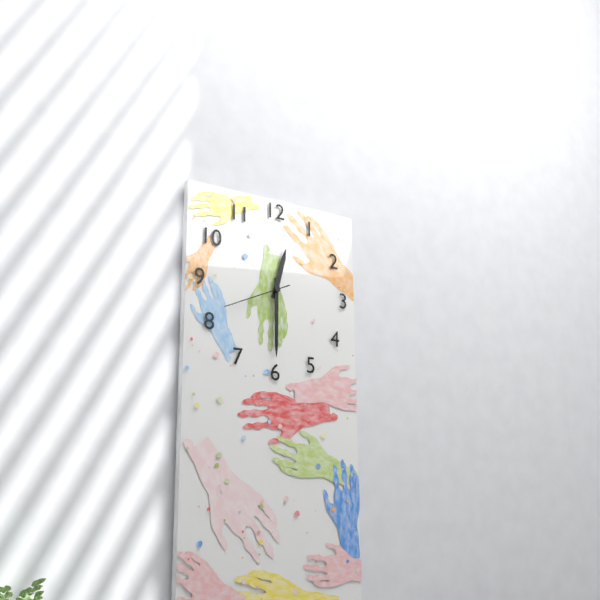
12:30:41
